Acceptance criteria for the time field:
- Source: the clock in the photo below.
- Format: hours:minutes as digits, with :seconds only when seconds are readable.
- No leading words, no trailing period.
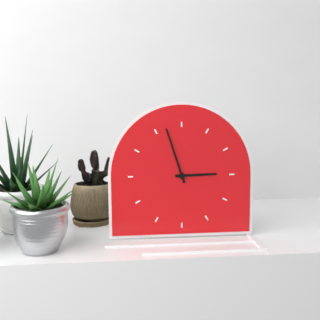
2:57
